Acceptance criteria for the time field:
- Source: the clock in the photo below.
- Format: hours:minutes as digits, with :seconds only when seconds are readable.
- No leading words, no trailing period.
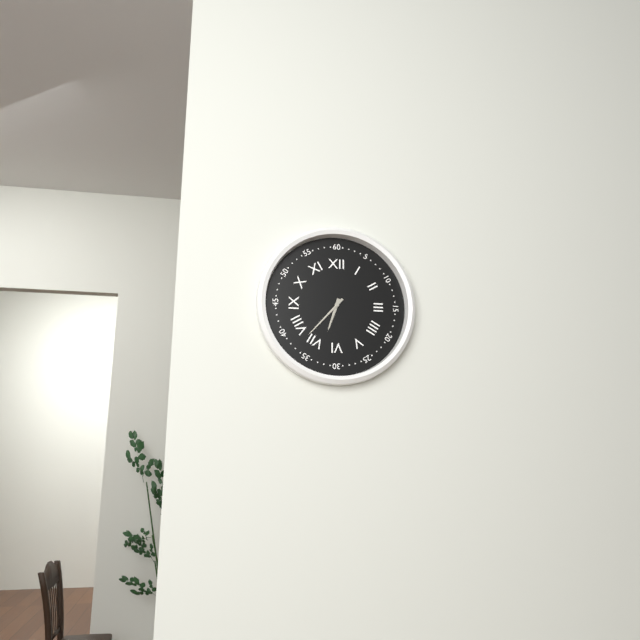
6:37
